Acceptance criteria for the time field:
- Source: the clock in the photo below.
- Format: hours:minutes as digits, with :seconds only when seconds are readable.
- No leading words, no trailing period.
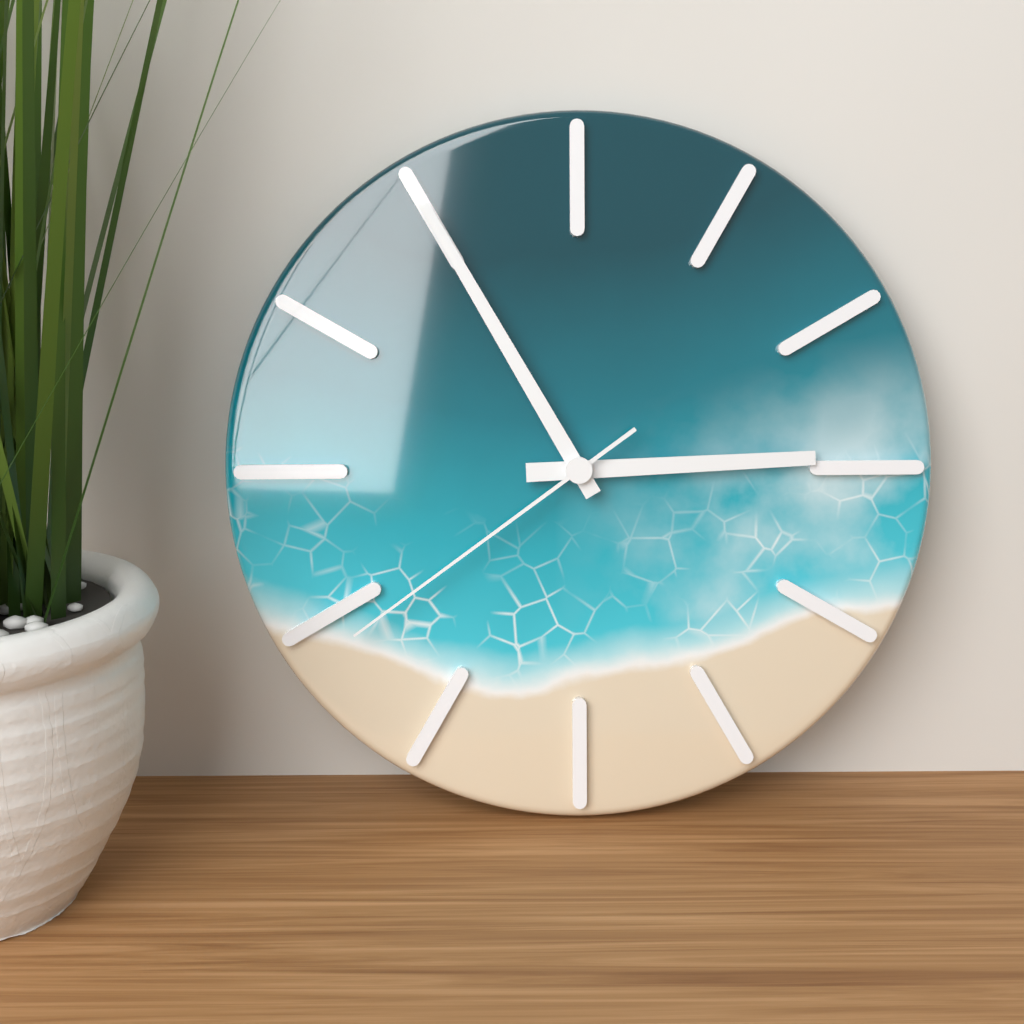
2:55:39
